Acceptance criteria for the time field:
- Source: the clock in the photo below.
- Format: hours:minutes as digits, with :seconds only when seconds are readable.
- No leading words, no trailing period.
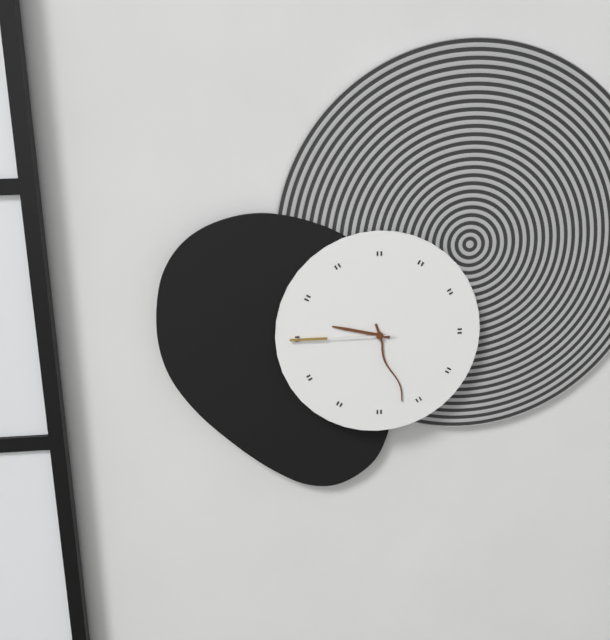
9:27:45
